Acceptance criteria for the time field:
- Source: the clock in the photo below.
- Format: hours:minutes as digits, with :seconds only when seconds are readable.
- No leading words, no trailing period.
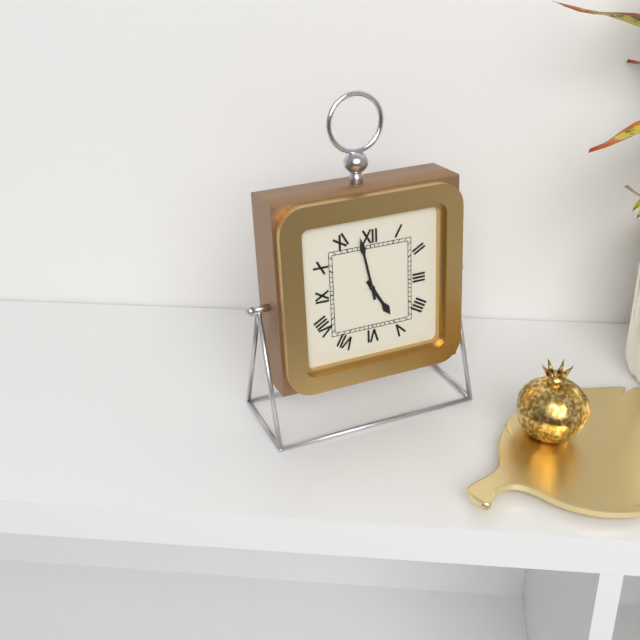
4:58
